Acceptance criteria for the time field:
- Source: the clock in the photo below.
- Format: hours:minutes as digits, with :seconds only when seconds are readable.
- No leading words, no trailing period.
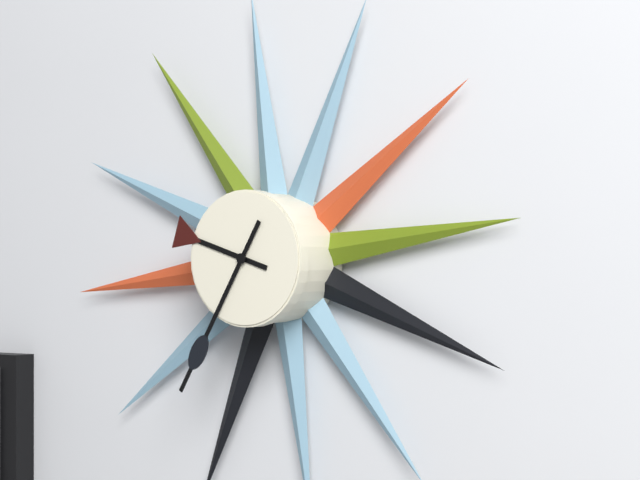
9:35
